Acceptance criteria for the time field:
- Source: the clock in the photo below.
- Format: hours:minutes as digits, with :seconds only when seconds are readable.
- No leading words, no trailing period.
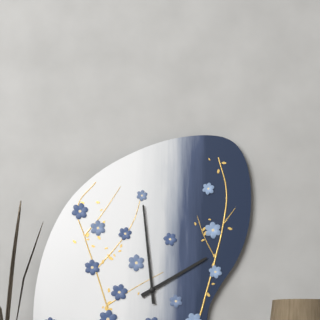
1:59
